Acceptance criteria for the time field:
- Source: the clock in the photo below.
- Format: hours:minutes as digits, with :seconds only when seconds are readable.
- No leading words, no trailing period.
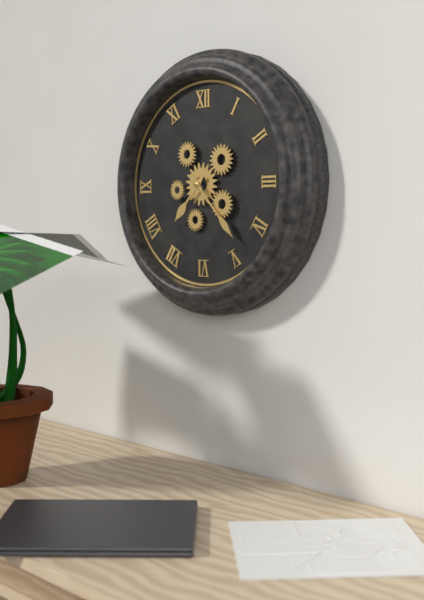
7:23
